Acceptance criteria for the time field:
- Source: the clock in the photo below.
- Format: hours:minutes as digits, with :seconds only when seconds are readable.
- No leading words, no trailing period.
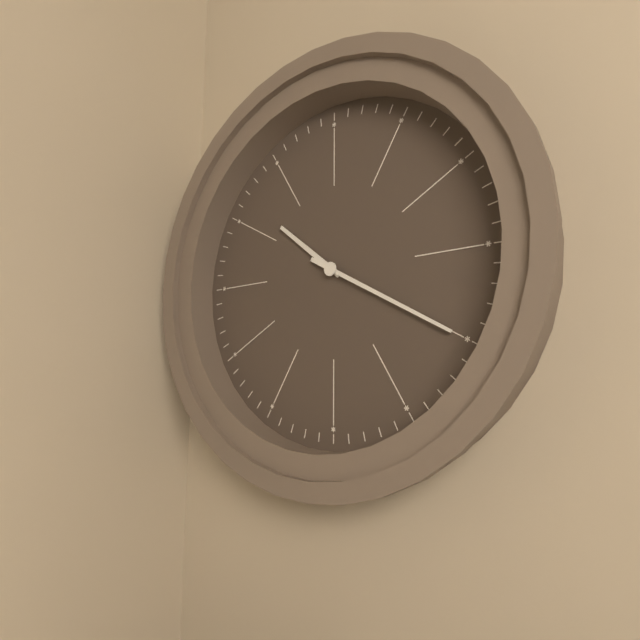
10:20
